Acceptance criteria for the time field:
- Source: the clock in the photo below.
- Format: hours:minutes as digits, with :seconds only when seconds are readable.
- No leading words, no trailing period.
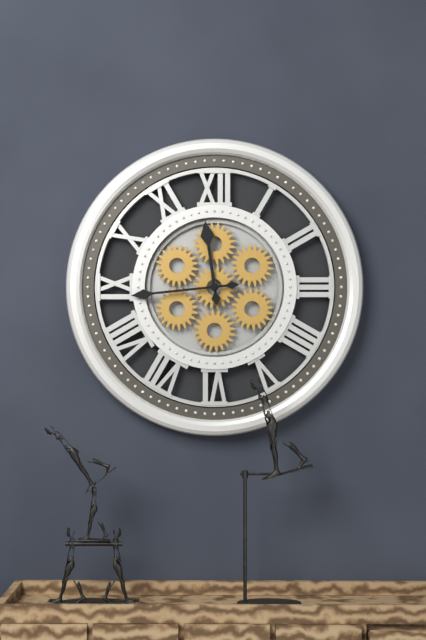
11:44
